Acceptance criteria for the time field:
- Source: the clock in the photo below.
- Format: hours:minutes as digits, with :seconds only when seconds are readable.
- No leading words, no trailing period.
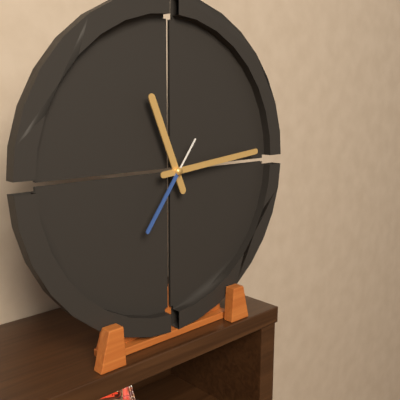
11:14:36
